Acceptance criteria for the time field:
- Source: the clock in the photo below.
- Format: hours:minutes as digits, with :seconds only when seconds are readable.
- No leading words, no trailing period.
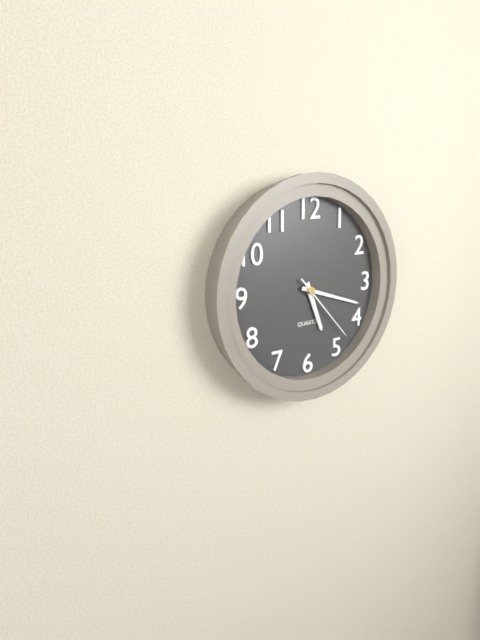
5:18:23
